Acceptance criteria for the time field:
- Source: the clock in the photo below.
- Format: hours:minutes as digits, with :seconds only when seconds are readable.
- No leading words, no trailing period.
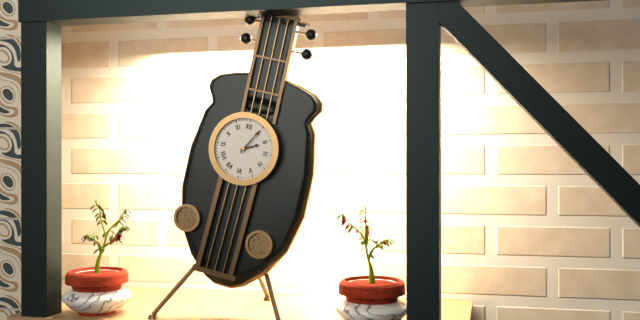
2:05
